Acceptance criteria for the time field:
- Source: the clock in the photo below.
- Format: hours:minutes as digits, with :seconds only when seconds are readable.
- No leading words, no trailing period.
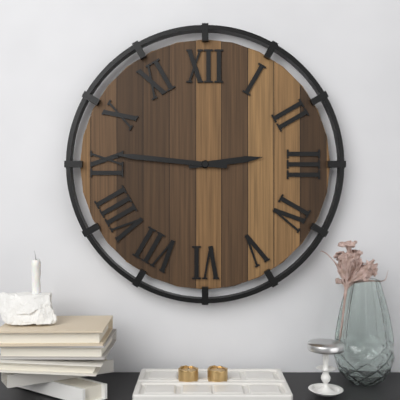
2:46
